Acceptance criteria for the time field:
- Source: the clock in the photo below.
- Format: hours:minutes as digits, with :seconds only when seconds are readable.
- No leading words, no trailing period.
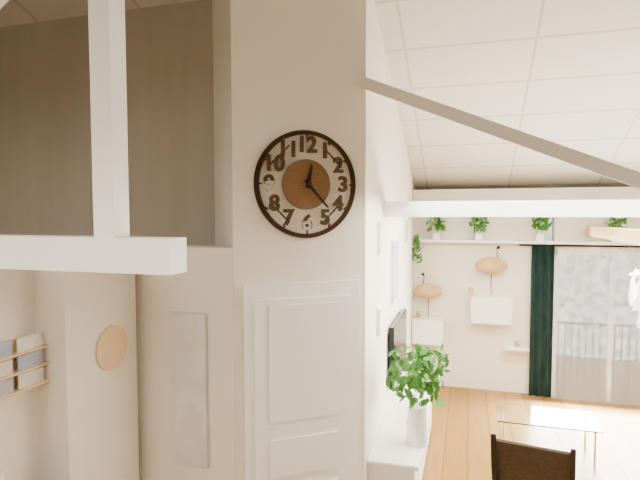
12:23
